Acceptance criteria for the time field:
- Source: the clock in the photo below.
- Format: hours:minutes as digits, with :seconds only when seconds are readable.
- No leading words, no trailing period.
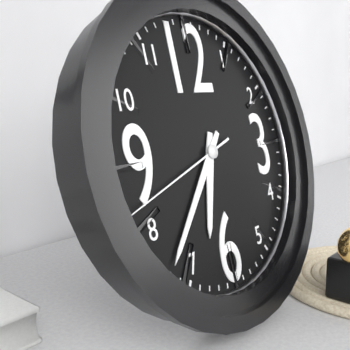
6:37:42
